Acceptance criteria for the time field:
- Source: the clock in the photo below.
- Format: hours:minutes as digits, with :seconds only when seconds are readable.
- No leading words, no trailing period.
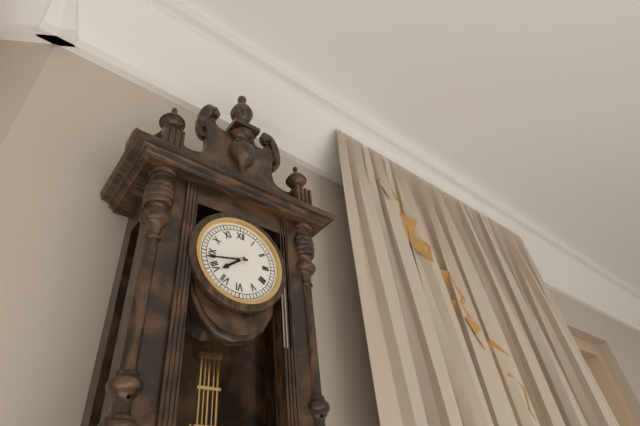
7:43
